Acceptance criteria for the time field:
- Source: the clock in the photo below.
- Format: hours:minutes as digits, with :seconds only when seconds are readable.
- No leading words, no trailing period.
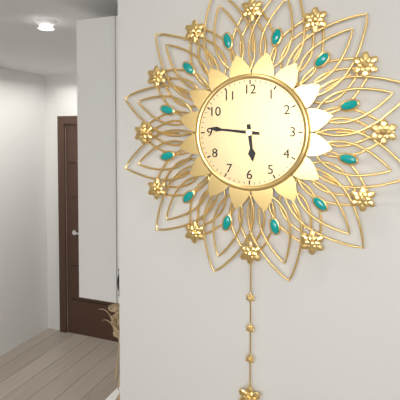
5:46
